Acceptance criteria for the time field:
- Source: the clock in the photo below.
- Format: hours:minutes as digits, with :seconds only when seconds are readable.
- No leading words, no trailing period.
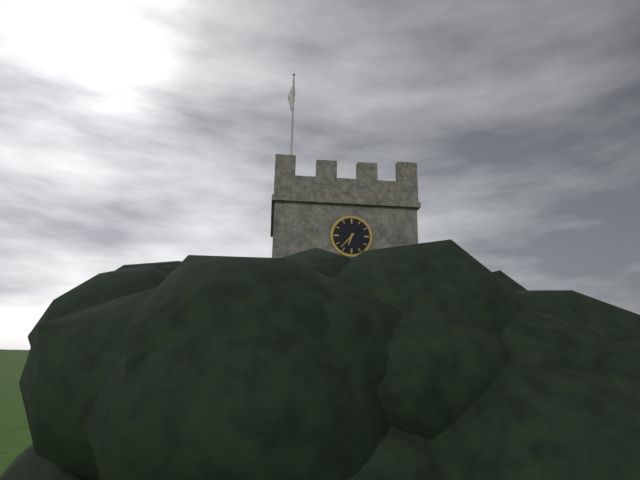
6:37
